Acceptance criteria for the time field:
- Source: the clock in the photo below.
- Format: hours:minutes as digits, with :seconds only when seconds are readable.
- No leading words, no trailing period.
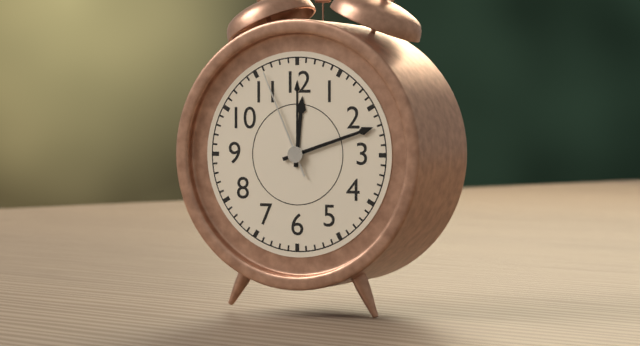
12:12:56
